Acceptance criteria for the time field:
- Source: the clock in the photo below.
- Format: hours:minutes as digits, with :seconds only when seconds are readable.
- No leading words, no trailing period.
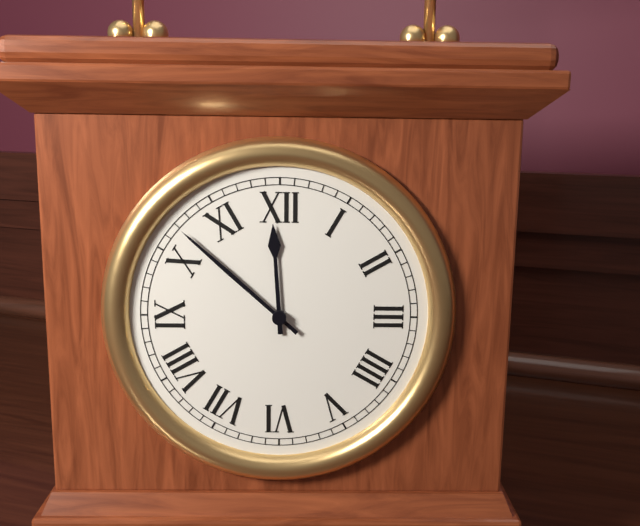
11:52
